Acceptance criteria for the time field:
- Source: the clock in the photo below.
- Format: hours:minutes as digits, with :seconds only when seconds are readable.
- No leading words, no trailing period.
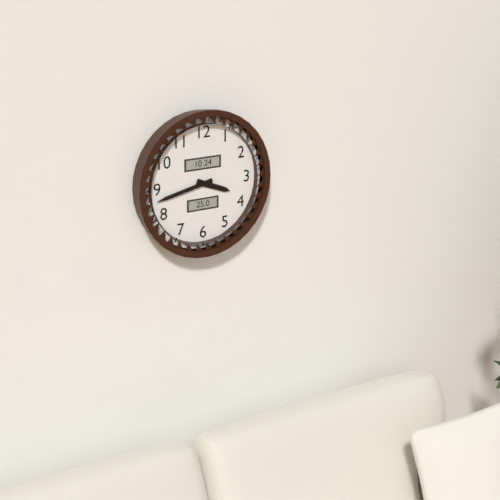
3:43
